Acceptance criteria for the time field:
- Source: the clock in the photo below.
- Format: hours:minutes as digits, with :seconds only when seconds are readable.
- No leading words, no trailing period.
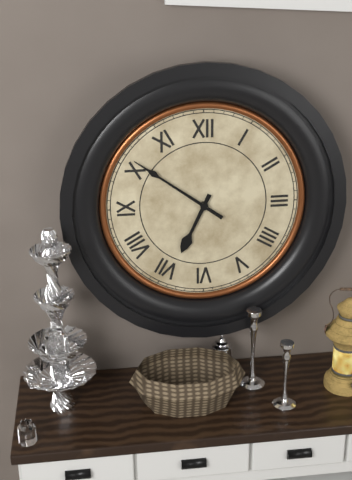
6:51
